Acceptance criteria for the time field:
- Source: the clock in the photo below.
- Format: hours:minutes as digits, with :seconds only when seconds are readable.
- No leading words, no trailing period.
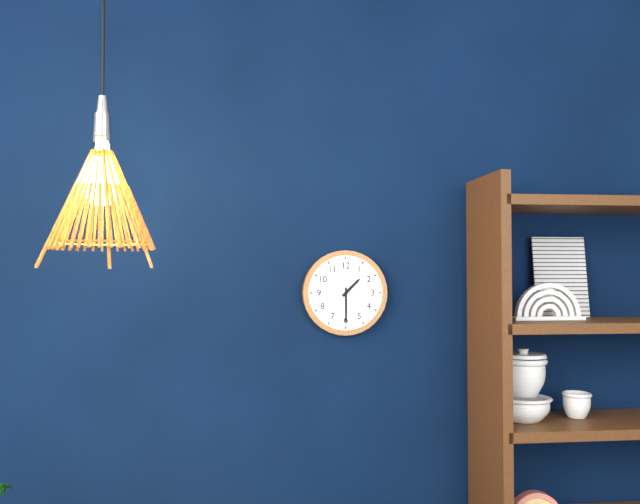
1:30
